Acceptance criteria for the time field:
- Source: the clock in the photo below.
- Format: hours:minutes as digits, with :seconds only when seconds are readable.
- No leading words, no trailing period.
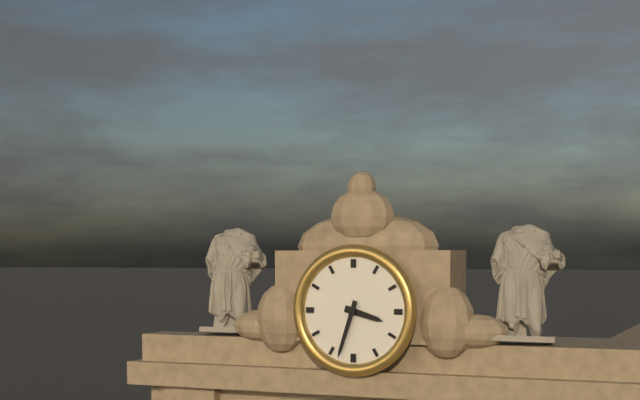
3:33
